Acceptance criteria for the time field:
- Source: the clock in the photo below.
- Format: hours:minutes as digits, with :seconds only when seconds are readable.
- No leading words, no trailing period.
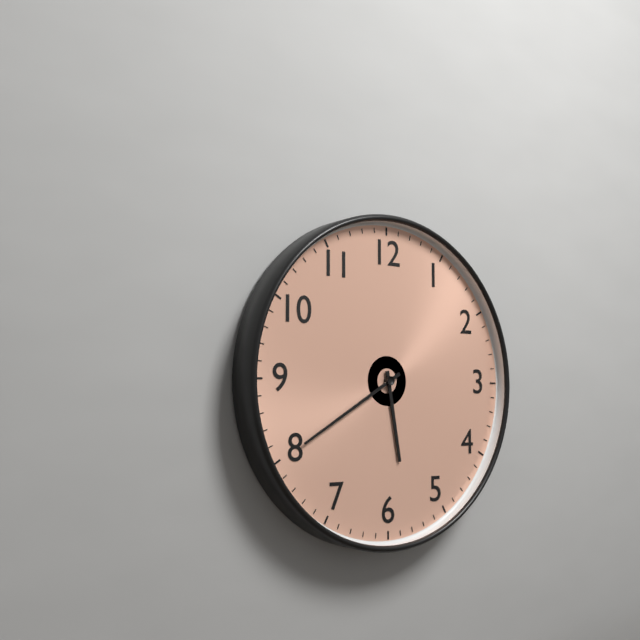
5:40
